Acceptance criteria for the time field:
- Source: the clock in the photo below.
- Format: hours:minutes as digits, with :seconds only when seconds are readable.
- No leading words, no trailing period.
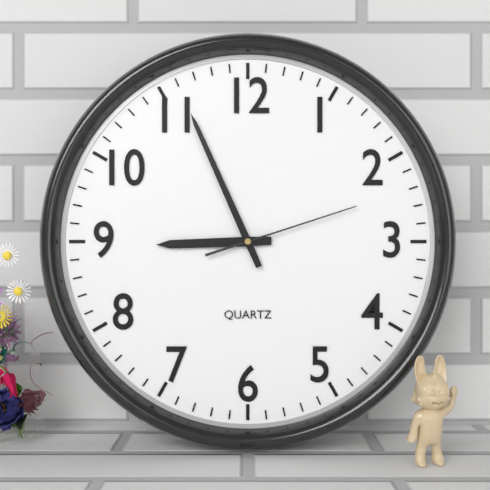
8:56:12
